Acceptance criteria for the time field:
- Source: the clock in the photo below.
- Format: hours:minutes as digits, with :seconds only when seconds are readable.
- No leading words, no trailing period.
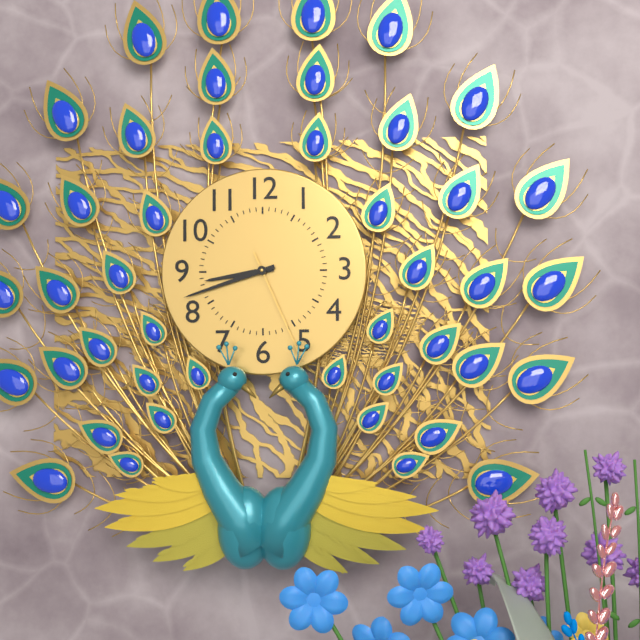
8:42:26
